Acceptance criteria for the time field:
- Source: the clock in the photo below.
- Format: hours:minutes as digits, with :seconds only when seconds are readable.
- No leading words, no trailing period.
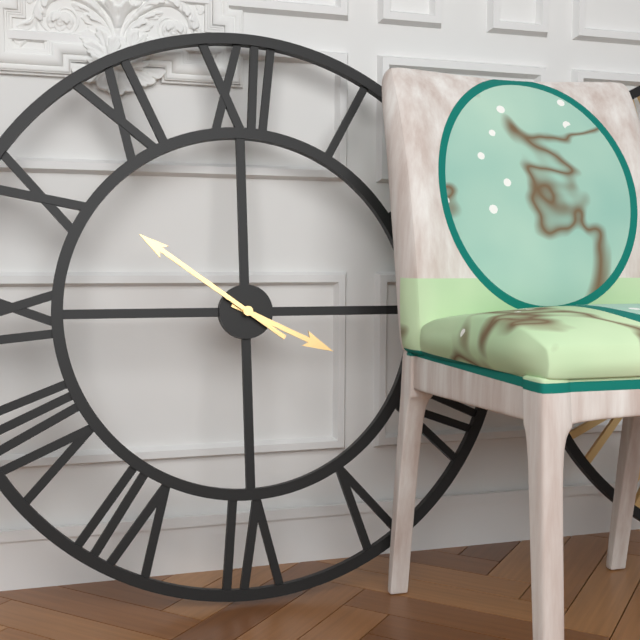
3:51
